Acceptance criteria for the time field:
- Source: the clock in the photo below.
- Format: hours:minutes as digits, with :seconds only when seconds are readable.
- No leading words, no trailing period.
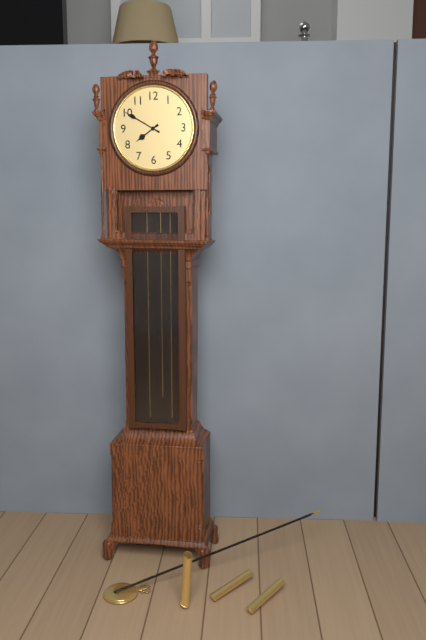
7:50
